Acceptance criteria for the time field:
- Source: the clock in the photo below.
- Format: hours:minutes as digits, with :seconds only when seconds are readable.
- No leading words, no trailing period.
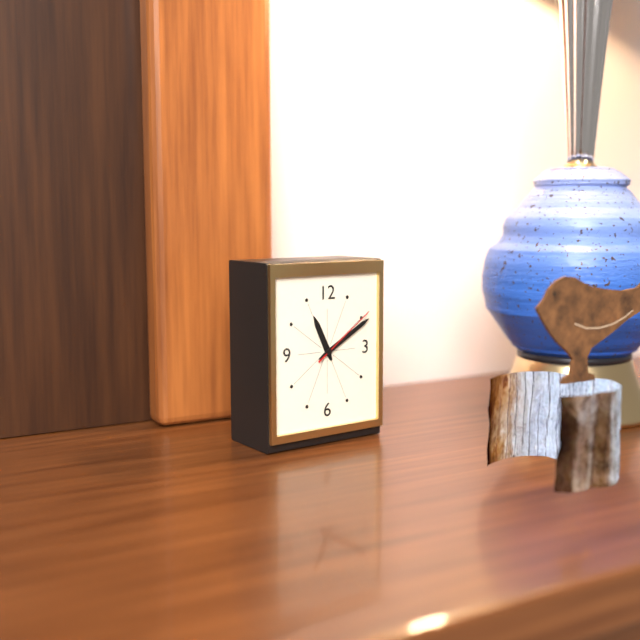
11:10:09
